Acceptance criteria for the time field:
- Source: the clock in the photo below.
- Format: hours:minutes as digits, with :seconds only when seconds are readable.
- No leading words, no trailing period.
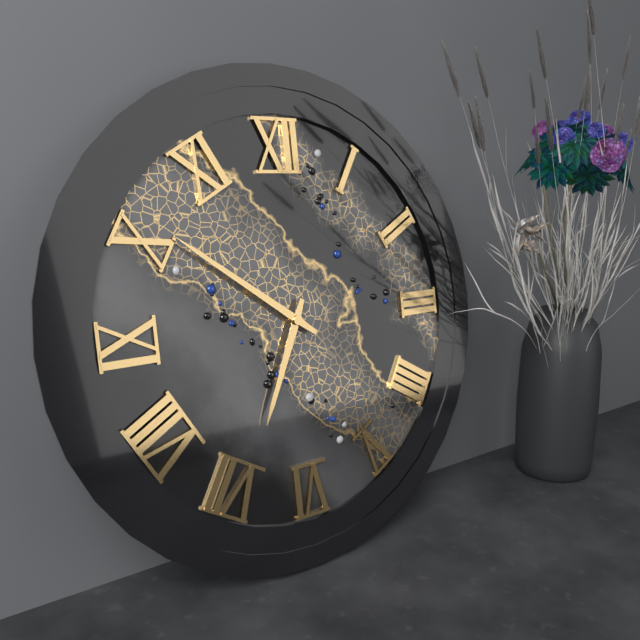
6:51
